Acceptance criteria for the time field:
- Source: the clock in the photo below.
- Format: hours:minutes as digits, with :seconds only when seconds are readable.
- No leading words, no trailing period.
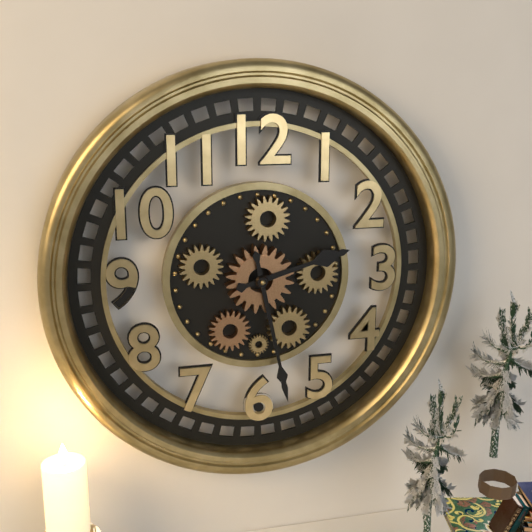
2:28
